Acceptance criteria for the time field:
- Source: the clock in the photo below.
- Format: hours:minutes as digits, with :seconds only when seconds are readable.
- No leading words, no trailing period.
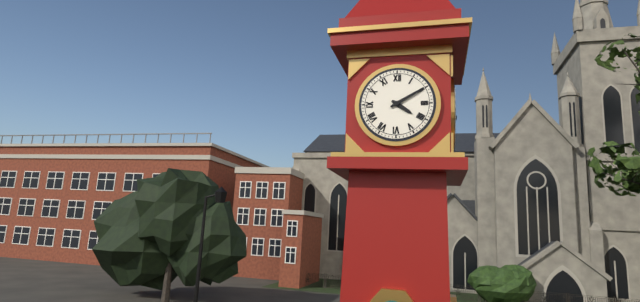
4:10
